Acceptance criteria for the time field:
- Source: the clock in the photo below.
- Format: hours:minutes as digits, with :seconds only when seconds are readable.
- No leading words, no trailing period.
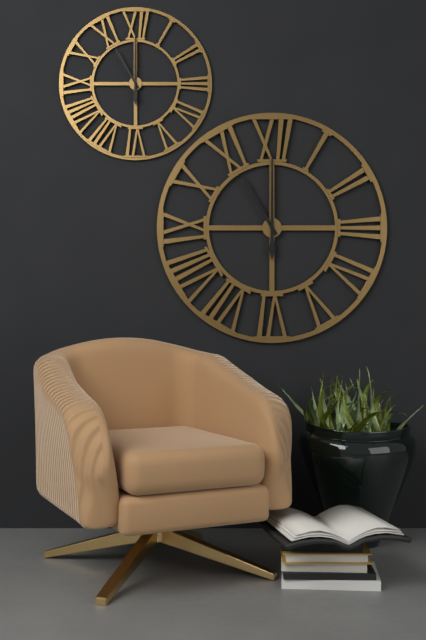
11:00
